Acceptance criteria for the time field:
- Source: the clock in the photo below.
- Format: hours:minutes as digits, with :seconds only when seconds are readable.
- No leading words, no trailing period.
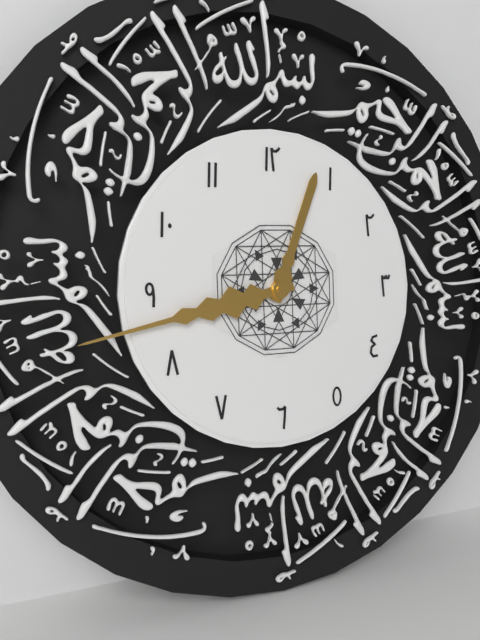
12:43
